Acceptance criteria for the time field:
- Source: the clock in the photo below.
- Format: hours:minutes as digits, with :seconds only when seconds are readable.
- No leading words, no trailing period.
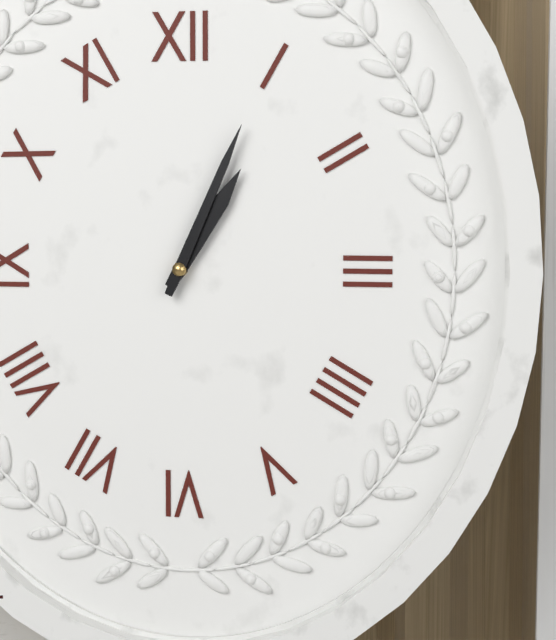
1:04
